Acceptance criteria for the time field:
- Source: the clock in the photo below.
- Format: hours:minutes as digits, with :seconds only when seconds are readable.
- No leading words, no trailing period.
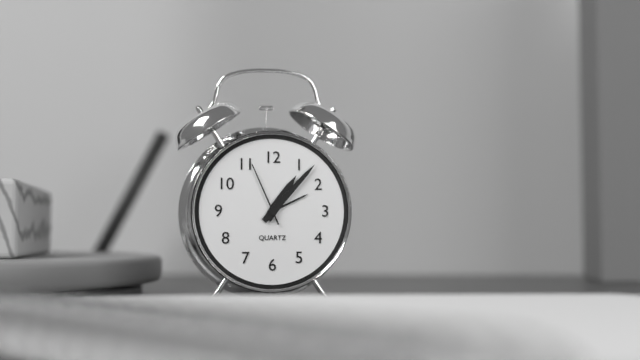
1:07:56
